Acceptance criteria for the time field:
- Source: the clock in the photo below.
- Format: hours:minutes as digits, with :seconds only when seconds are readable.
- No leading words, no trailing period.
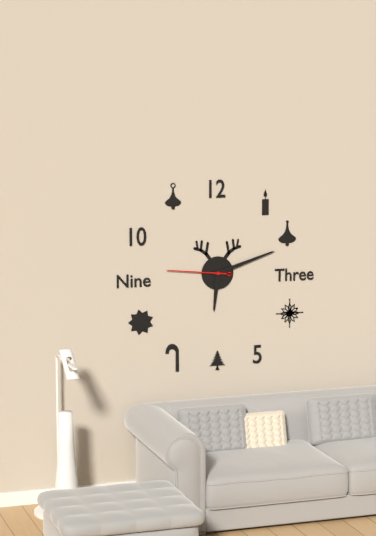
6:12:46
